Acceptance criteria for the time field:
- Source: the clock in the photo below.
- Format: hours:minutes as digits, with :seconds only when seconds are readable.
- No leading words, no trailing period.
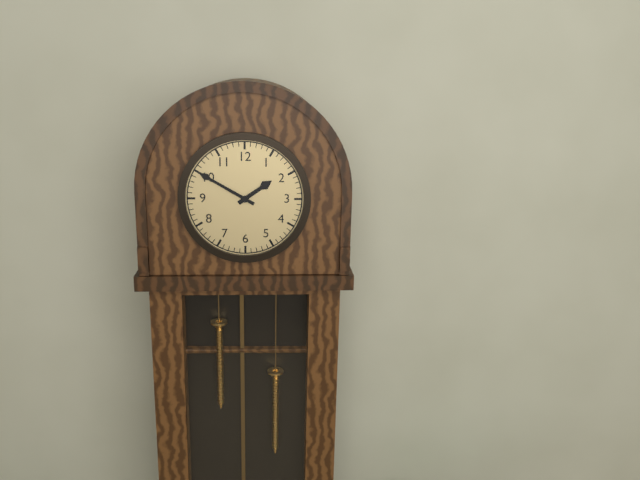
1:50
